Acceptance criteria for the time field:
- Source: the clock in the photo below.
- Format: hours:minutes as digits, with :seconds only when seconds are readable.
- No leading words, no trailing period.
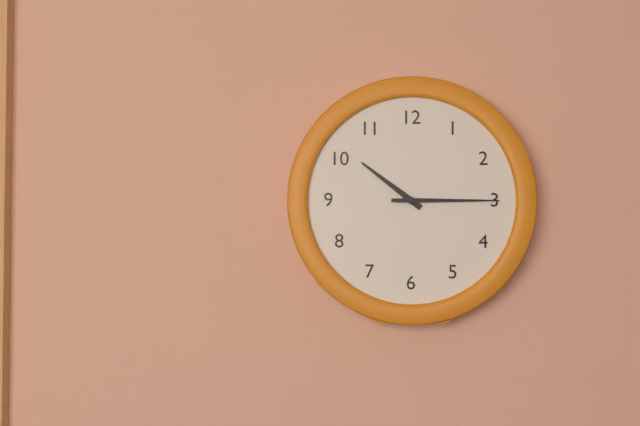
10:15
